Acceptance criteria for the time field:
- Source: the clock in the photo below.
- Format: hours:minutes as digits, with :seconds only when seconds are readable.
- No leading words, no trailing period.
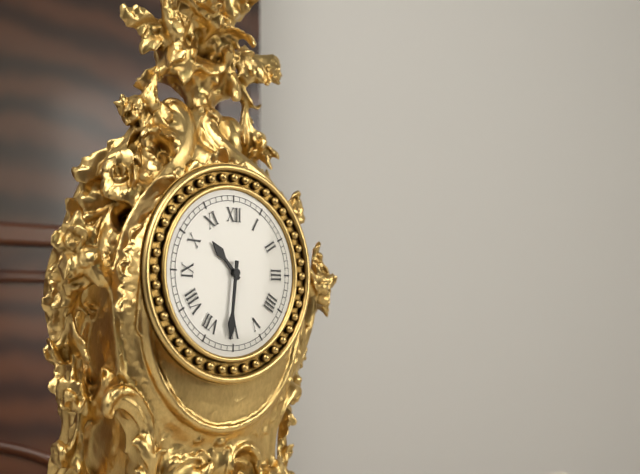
10:31
